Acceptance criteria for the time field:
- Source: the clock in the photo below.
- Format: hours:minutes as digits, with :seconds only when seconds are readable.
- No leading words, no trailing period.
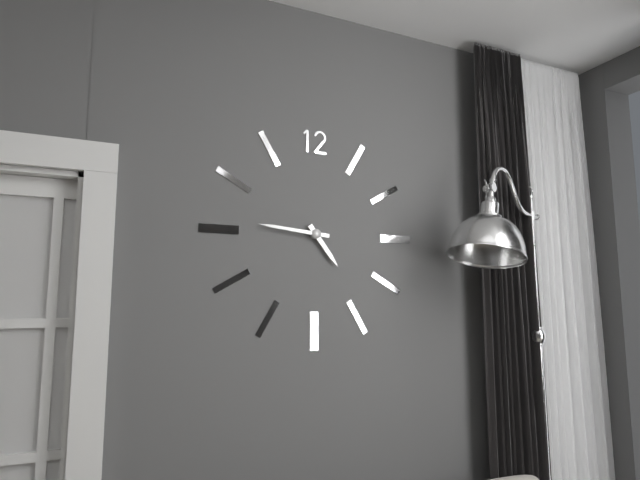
4:46
